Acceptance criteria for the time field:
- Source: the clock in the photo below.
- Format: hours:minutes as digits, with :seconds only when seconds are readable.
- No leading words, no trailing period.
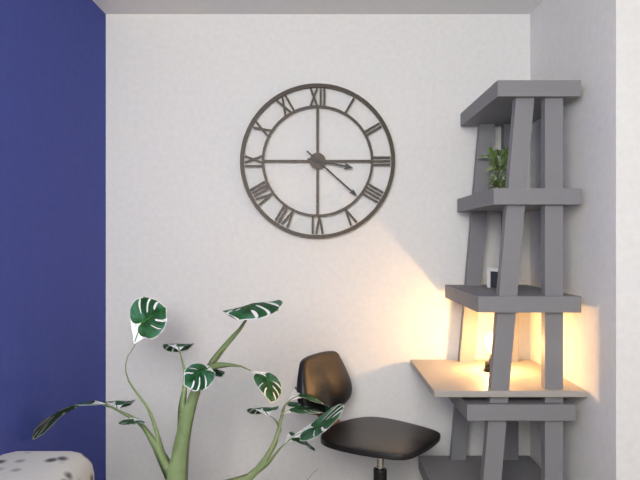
3:22
